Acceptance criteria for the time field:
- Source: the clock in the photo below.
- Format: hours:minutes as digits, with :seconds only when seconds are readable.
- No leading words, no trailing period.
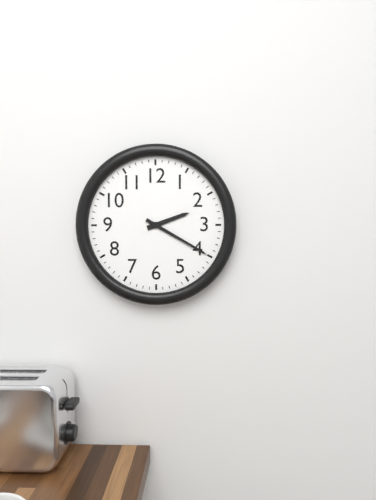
2:20
